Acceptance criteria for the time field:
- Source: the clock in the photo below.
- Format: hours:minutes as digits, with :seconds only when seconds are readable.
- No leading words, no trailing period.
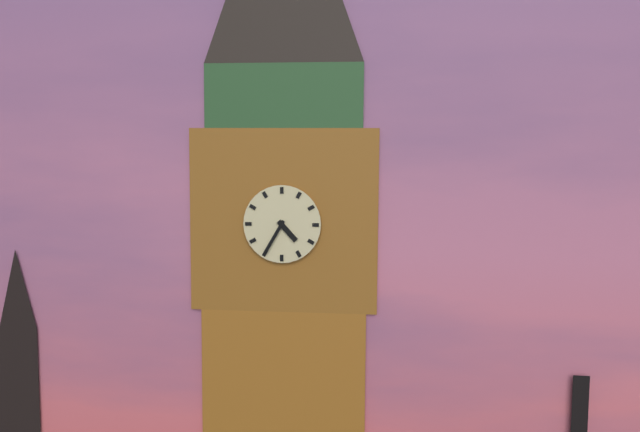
4:35
